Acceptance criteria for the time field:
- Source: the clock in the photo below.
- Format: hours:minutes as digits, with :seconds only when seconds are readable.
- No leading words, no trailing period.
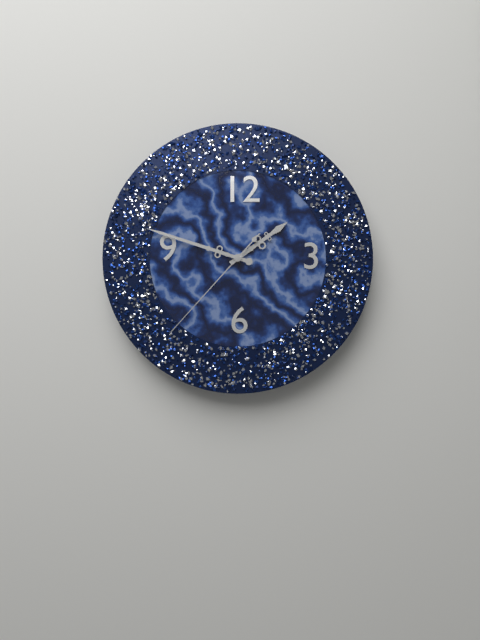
1:48:37
